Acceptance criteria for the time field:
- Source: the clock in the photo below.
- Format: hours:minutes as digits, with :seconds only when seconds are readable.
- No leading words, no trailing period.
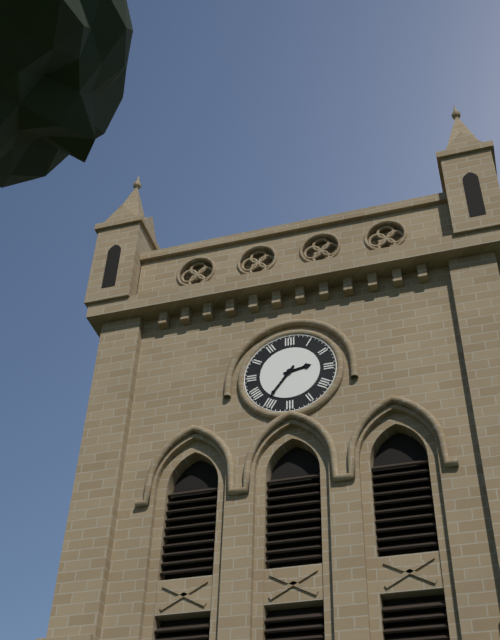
2:36
